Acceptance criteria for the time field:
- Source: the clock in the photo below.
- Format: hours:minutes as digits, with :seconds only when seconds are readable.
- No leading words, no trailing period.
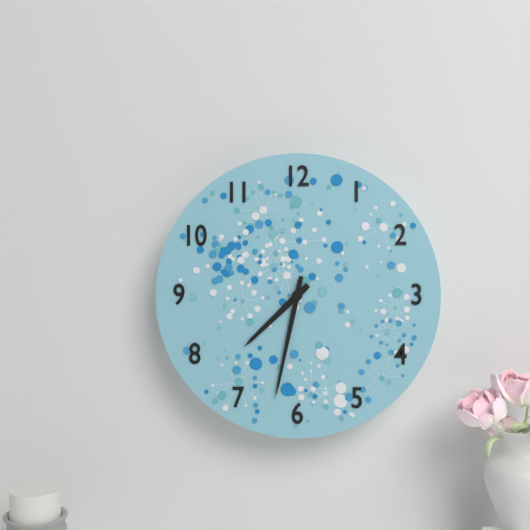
7:32
